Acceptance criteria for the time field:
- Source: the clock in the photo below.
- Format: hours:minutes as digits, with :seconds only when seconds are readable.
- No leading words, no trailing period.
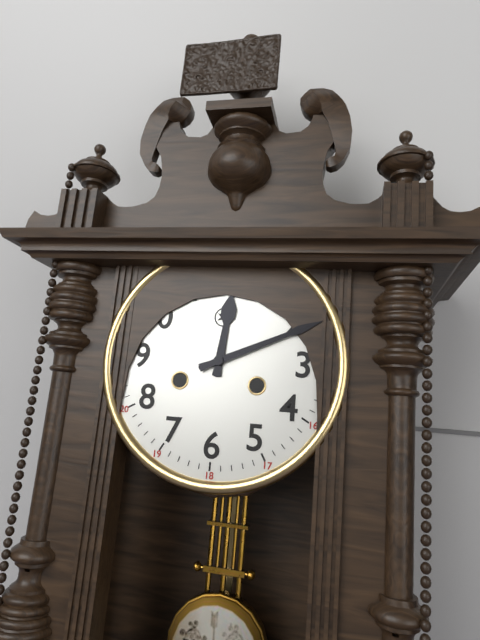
12:11
